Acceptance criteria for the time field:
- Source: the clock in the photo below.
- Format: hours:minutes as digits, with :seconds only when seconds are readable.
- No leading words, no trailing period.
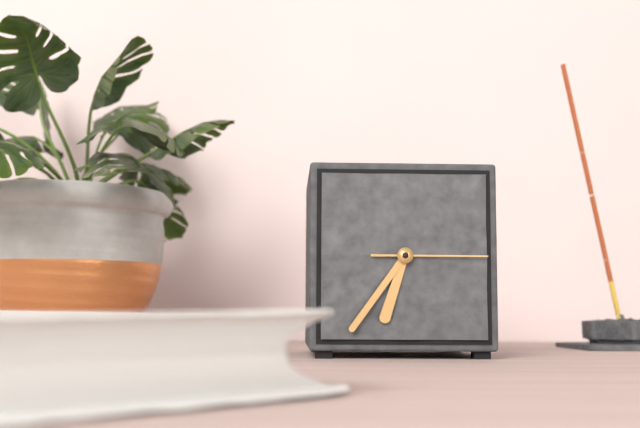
6:36:15
